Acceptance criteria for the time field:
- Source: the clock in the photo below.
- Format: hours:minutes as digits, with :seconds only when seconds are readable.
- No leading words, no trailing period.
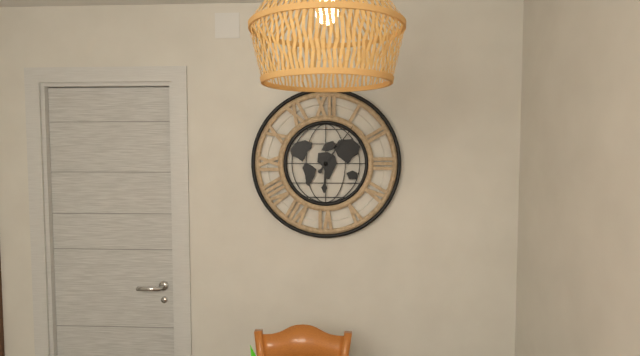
6:06
